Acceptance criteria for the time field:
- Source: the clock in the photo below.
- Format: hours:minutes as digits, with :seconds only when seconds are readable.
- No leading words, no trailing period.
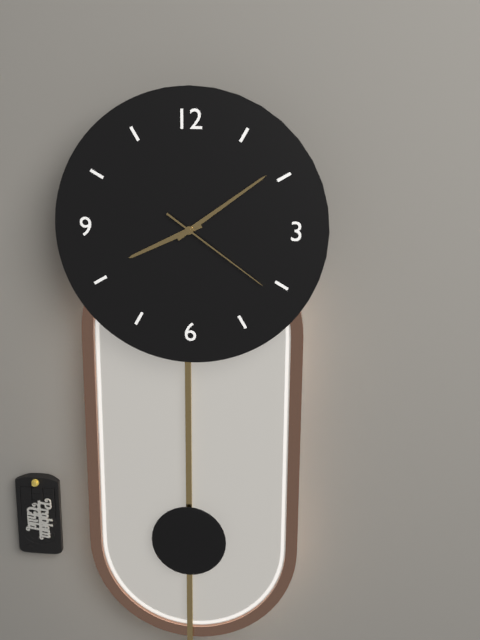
8:09:21
